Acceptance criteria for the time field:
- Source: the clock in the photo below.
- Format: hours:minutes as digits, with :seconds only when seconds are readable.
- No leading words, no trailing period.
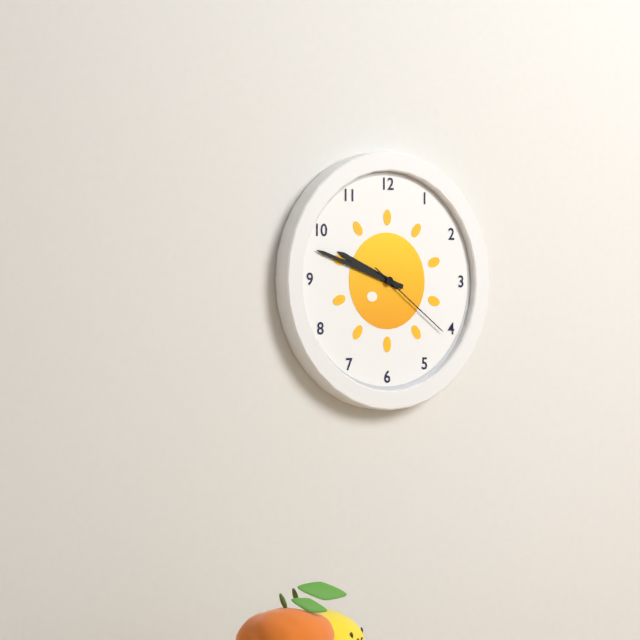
9:48:21
